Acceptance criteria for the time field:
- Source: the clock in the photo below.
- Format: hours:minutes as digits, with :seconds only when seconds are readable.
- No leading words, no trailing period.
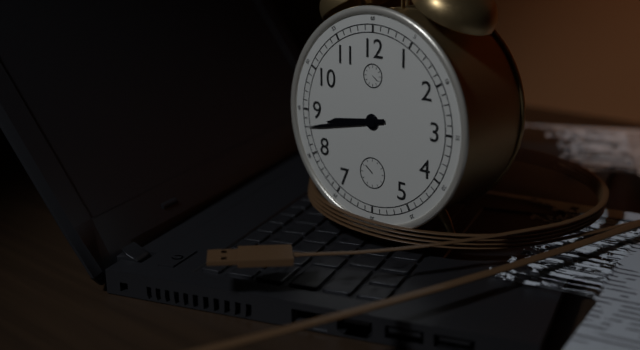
8:43
